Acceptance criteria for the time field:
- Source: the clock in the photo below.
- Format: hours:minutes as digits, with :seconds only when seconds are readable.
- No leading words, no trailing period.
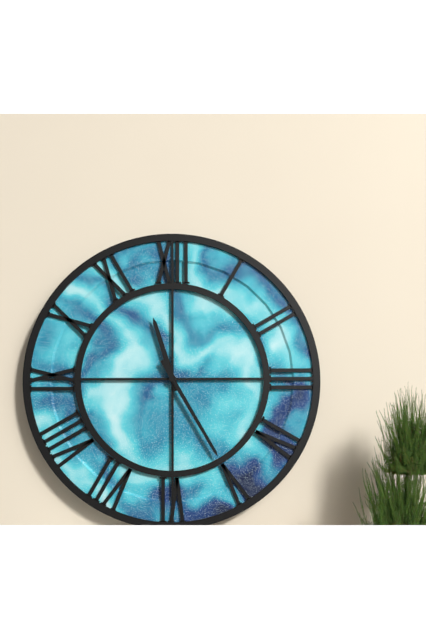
11:25
